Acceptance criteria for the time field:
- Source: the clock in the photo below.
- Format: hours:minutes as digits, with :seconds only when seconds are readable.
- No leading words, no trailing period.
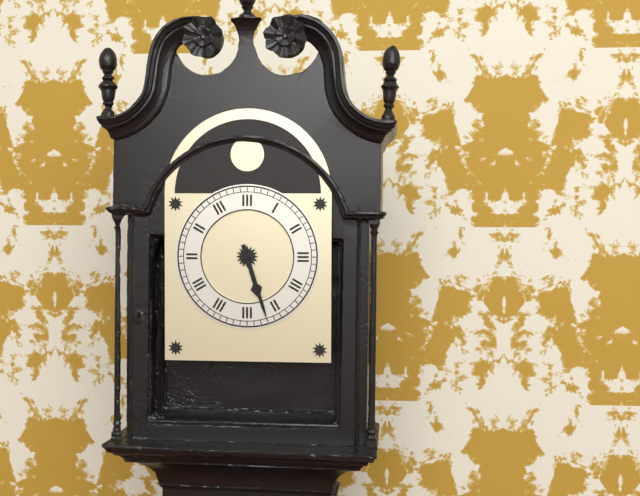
5:27
